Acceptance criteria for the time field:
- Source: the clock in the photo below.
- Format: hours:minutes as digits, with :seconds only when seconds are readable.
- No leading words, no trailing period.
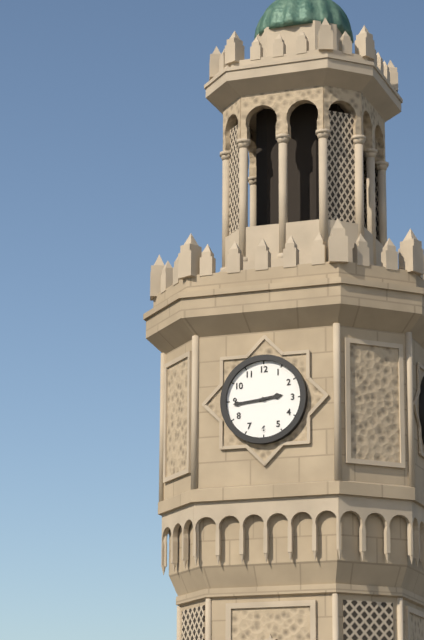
2:44
